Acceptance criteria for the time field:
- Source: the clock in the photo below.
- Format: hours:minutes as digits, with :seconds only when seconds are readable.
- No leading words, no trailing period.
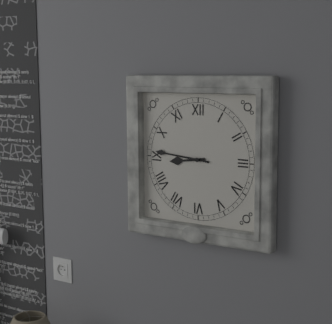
8:46
